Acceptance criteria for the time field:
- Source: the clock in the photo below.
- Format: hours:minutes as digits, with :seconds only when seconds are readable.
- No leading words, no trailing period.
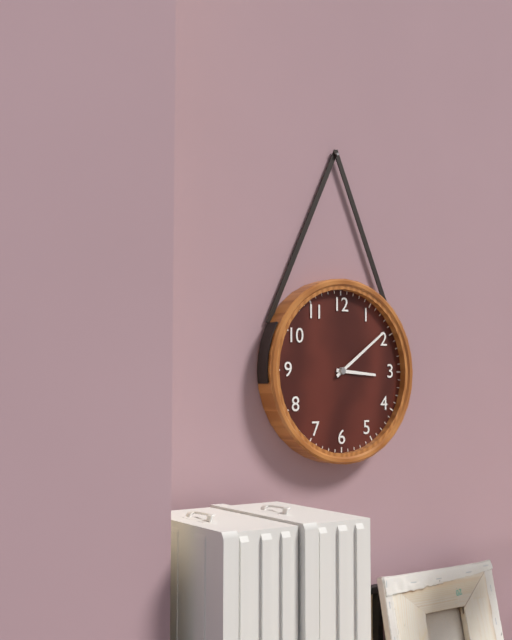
3:09
